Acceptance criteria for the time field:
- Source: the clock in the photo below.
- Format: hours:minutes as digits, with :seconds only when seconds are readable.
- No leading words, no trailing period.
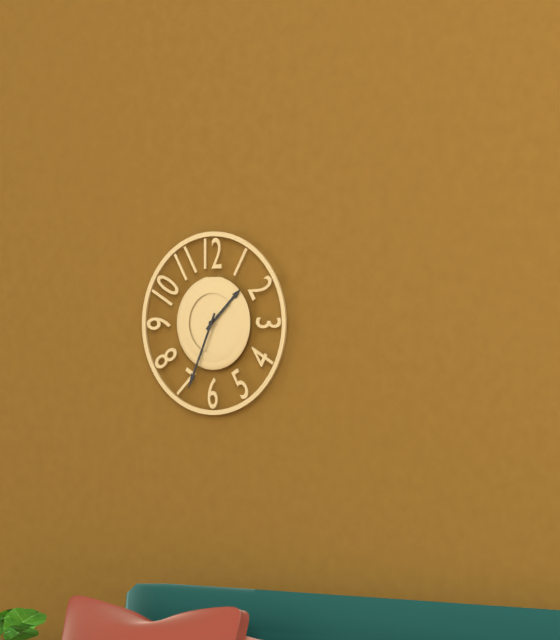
1:34
